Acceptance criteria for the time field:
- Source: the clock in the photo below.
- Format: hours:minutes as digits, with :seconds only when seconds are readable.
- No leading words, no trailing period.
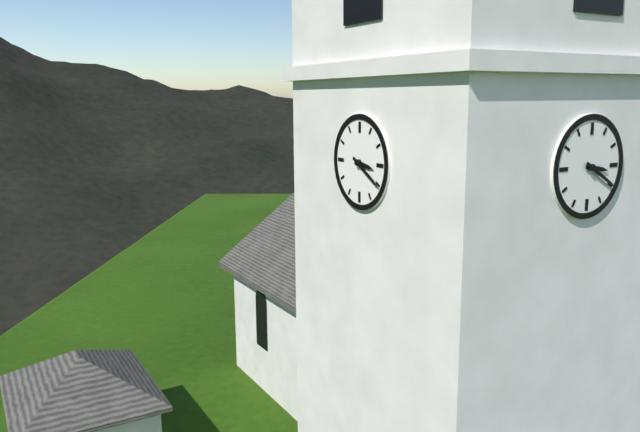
3:20
